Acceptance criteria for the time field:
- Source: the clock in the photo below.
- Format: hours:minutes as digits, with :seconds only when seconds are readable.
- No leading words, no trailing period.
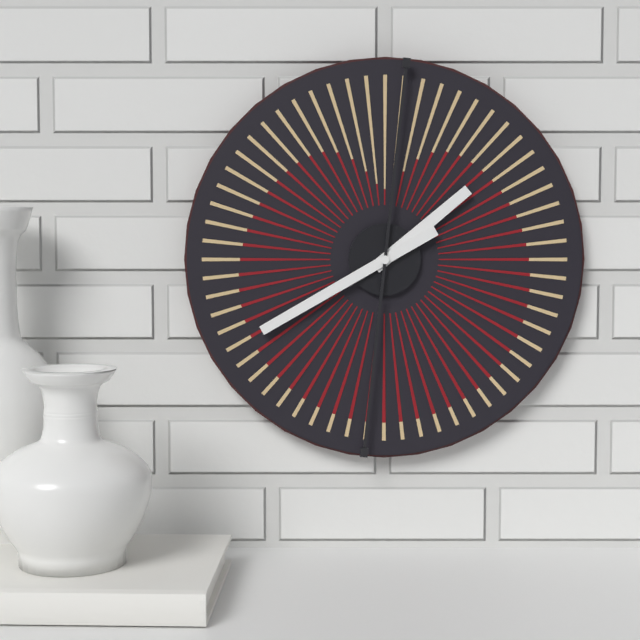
1:40
